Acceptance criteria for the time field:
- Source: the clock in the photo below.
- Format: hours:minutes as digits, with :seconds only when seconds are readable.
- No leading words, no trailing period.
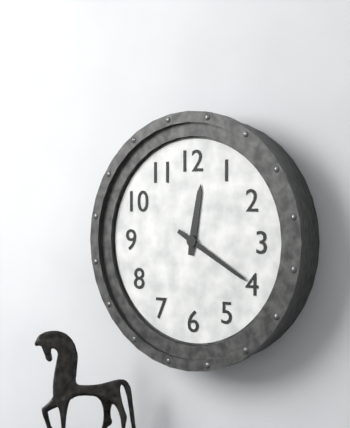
12:20
